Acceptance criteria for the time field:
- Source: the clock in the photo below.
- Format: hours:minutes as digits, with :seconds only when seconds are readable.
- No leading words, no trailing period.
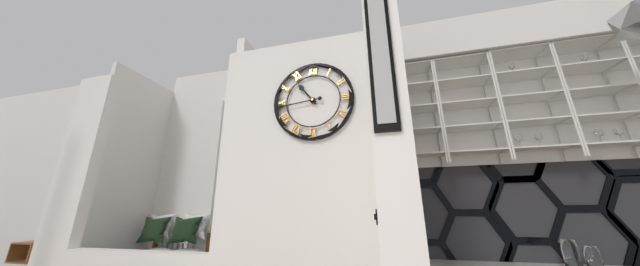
10:44
